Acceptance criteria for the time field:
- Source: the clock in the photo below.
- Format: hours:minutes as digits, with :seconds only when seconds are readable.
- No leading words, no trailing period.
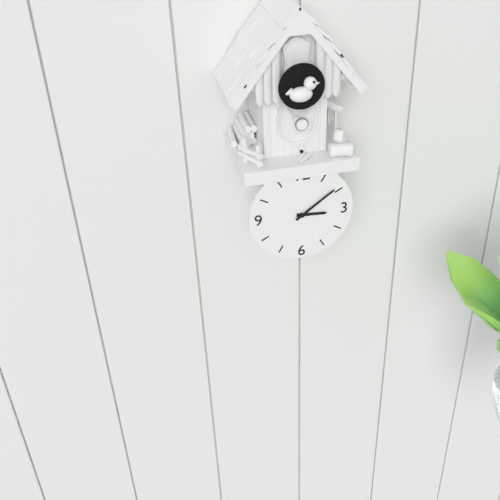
3:09
